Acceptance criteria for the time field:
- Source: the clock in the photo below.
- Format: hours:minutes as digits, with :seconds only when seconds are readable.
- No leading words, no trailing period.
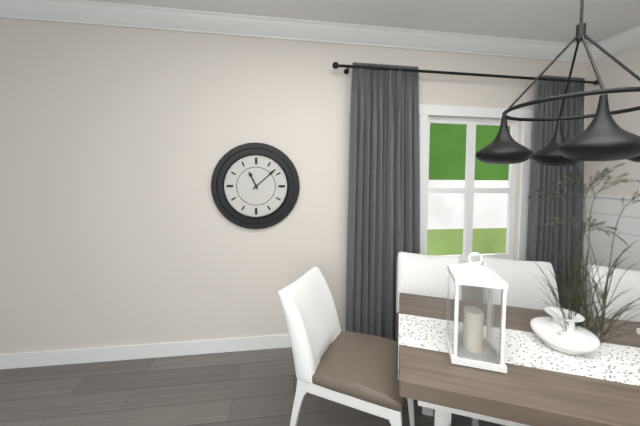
11:08
